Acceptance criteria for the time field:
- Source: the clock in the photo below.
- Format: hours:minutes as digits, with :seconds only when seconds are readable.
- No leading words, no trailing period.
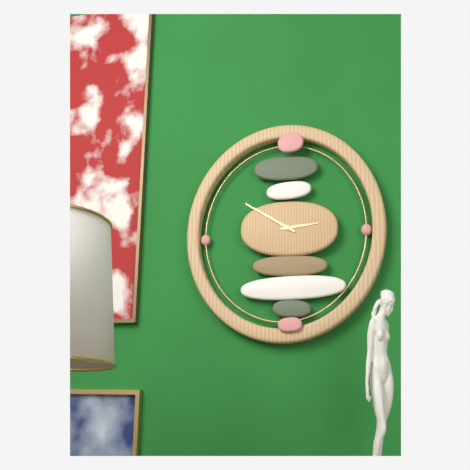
2:50
